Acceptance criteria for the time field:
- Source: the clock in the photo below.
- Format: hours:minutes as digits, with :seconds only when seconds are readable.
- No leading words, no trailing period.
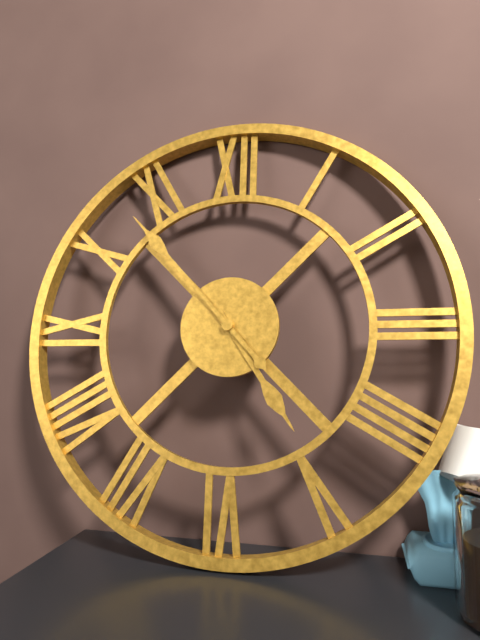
4:53
